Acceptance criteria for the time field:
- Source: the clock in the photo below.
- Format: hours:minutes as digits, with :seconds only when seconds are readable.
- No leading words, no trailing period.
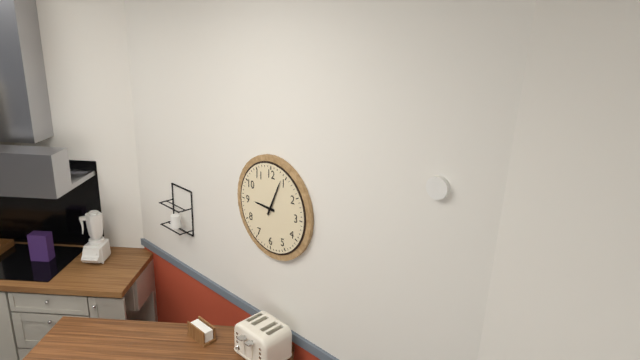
9:04
